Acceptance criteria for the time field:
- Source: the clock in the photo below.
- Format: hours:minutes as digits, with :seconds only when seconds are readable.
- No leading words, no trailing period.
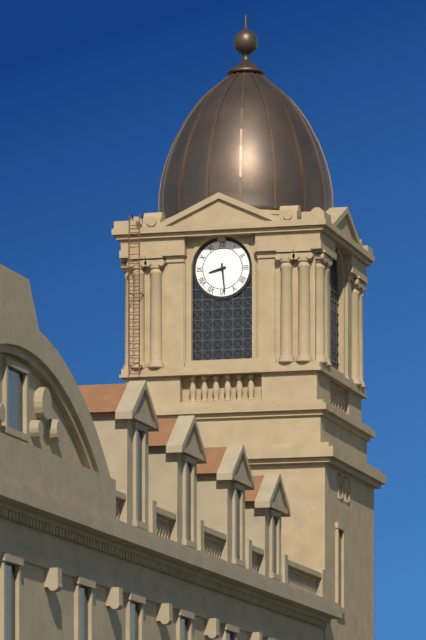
8:29
